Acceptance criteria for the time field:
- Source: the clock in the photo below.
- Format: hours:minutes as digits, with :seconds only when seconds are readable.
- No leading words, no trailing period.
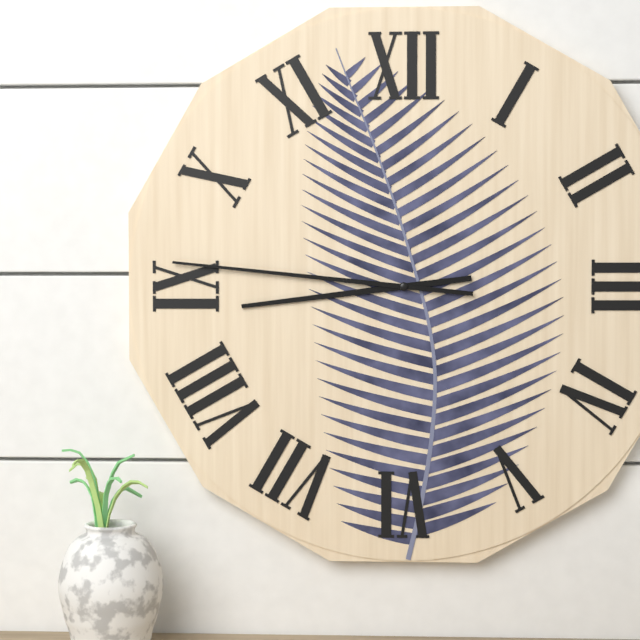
8:46
